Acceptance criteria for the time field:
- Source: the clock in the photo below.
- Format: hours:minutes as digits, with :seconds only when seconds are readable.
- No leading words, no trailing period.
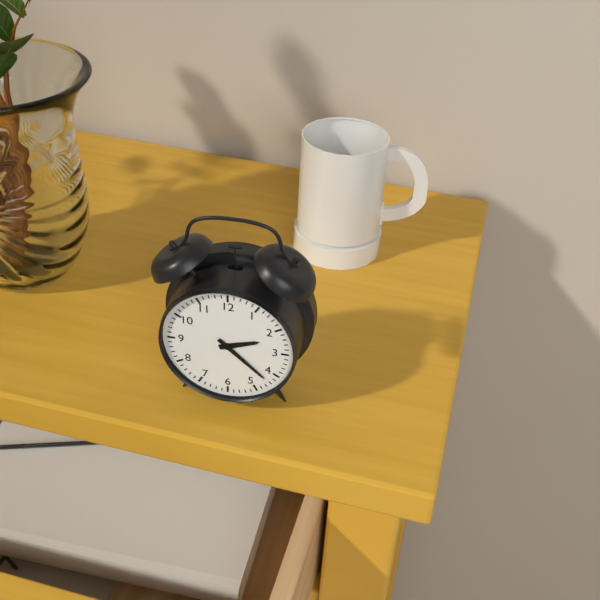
2:22
